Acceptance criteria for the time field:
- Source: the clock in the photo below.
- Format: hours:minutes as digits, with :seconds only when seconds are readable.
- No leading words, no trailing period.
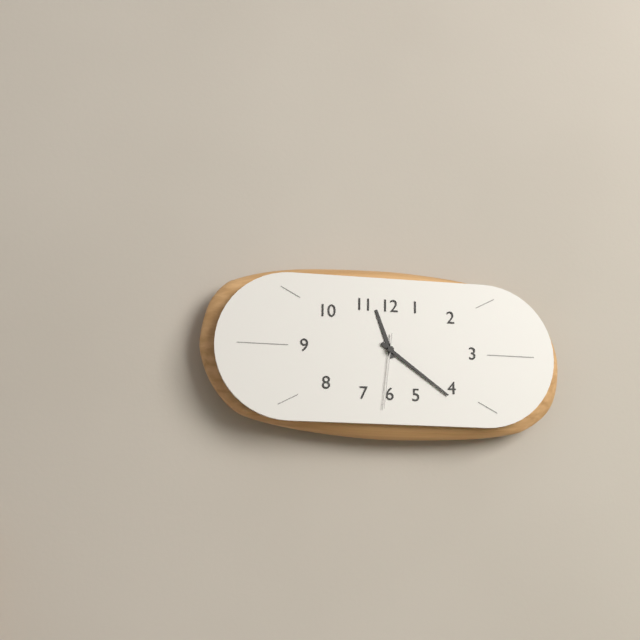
11:21:31
